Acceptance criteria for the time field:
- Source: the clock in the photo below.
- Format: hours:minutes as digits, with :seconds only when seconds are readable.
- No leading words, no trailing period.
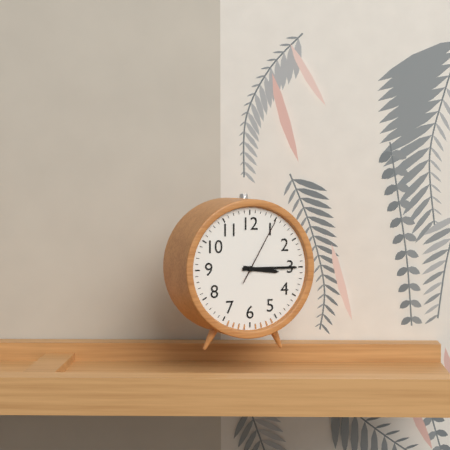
3:15:05
